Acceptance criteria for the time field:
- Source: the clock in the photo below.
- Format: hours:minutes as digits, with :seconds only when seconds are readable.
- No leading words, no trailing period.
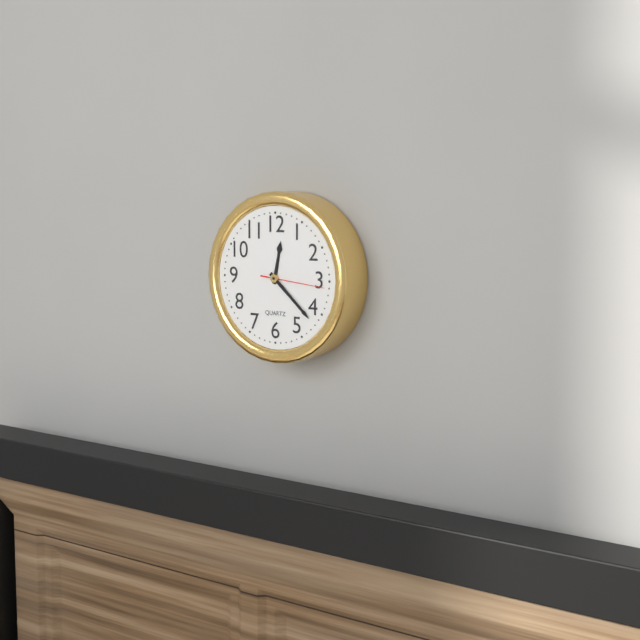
12:22:16
